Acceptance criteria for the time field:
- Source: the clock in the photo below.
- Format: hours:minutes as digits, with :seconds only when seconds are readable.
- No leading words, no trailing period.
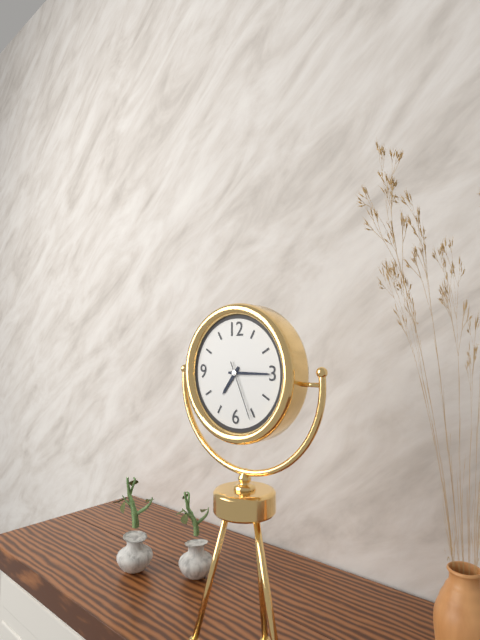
7:15:26
